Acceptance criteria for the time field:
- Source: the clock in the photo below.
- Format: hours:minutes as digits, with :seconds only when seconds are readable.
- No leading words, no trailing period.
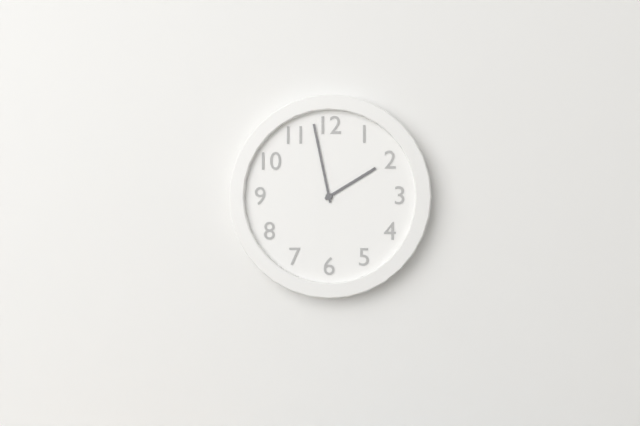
1:58
